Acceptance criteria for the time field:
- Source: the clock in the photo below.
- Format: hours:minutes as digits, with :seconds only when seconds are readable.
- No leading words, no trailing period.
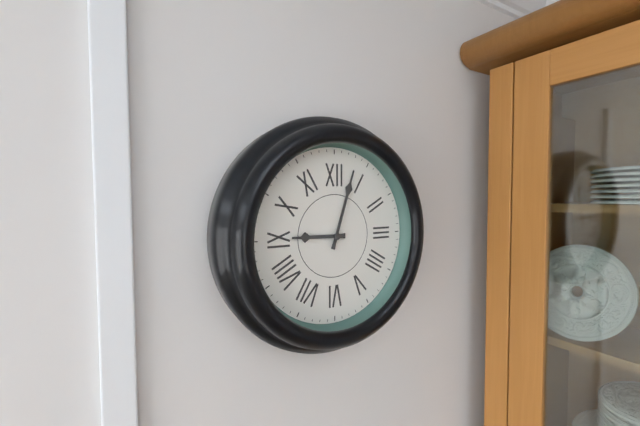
9:03
